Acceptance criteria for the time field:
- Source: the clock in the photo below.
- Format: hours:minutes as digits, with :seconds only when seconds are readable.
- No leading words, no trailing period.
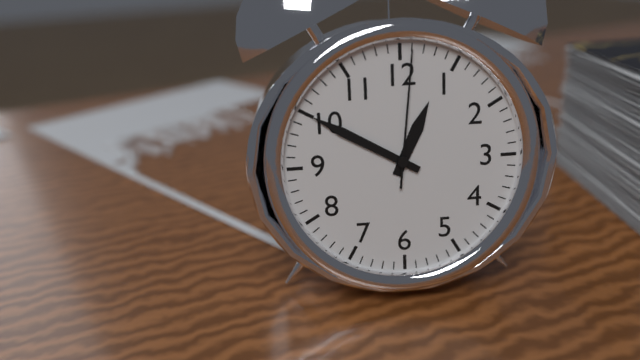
12:50:01
